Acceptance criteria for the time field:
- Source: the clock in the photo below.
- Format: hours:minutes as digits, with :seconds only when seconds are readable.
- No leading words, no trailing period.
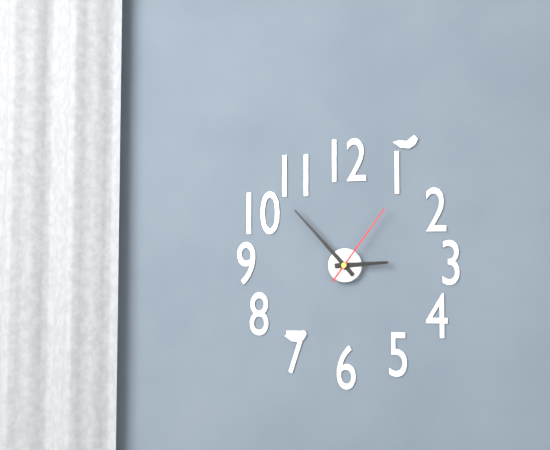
2:53:06
